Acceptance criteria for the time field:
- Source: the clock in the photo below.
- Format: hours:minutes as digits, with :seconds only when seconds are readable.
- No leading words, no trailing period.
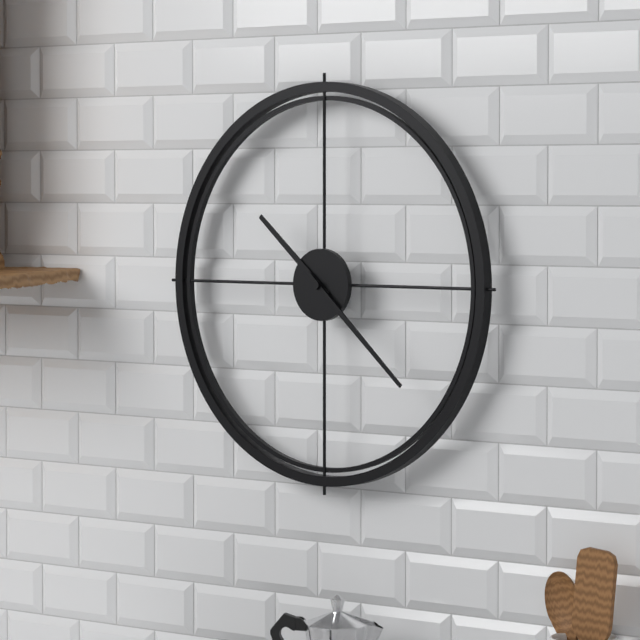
10:22
